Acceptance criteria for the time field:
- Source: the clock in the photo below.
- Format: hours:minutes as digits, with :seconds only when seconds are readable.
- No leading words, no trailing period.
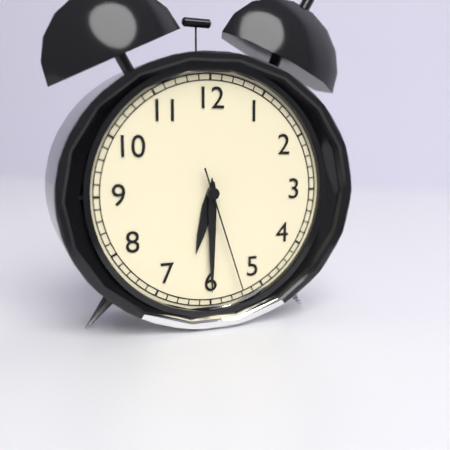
6:30:27
